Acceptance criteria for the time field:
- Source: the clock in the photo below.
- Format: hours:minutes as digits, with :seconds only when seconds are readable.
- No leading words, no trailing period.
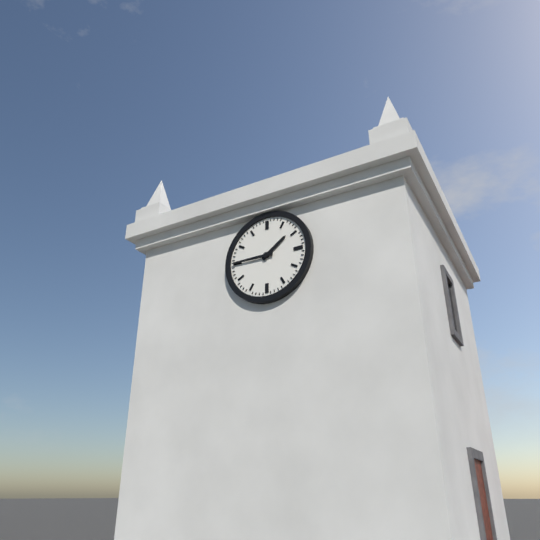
1:45
